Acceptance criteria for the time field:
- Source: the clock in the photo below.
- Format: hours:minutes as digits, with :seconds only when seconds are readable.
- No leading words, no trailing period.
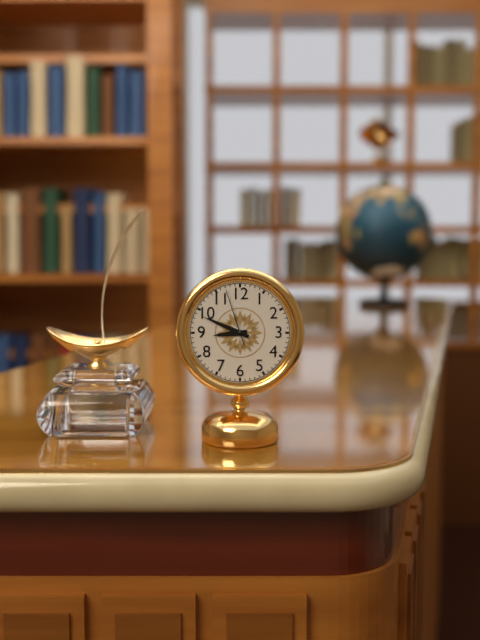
8:49:57
